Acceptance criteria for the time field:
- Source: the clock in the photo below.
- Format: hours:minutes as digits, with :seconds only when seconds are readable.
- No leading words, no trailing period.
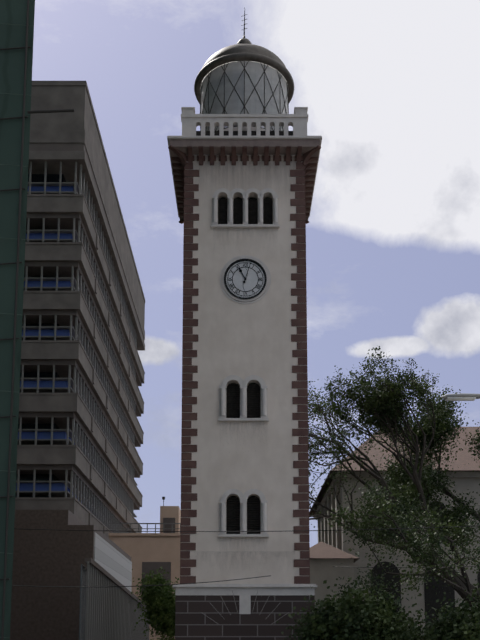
11:03
